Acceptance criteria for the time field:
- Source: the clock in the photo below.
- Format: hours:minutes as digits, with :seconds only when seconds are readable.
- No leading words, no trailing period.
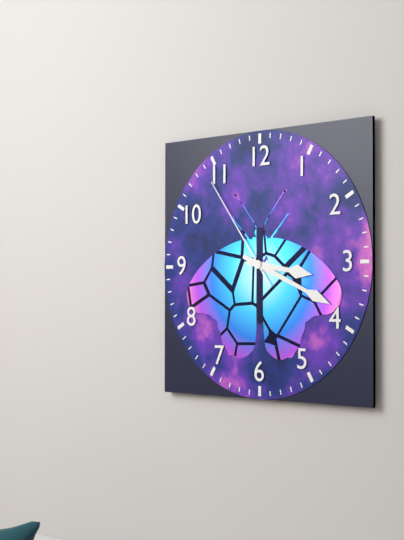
3:19:54
